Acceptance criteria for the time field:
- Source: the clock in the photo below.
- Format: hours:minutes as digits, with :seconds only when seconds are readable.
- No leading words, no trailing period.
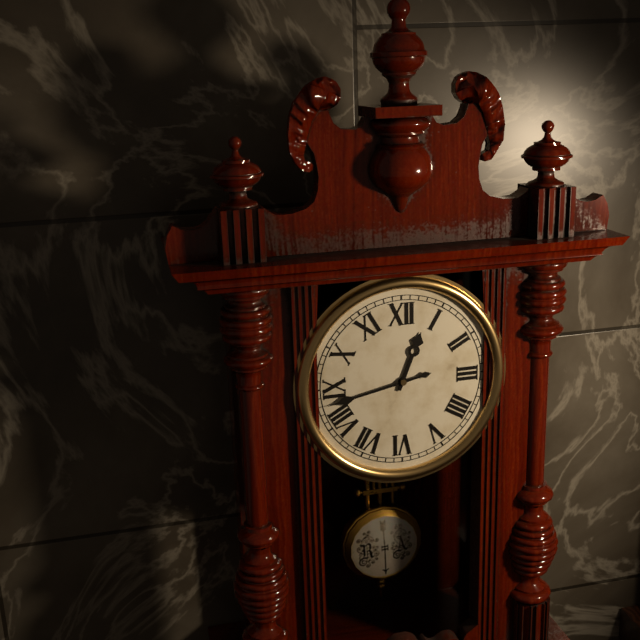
12:43
